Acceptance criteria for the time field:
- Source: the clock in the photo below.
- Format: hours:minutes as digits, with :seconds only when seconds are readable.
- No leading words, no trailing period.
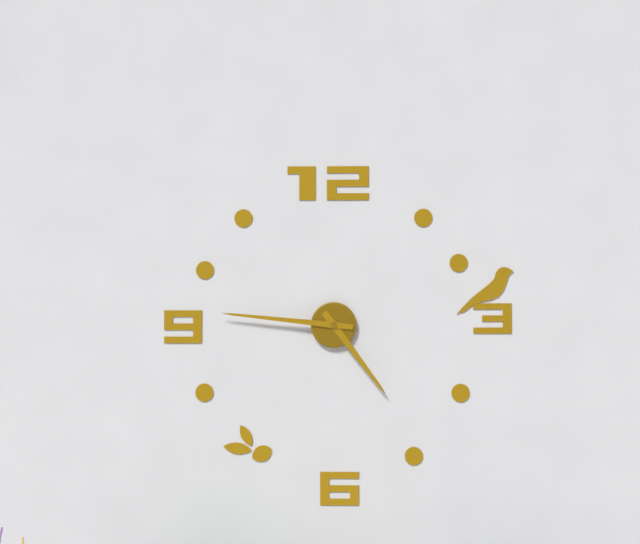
4:46
